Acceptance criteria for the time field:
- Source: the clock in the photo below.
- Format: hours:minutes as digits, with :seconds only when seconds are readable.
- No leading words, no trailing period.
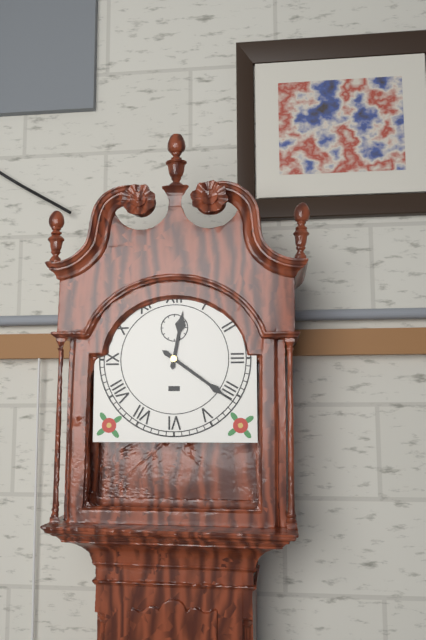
12:21
